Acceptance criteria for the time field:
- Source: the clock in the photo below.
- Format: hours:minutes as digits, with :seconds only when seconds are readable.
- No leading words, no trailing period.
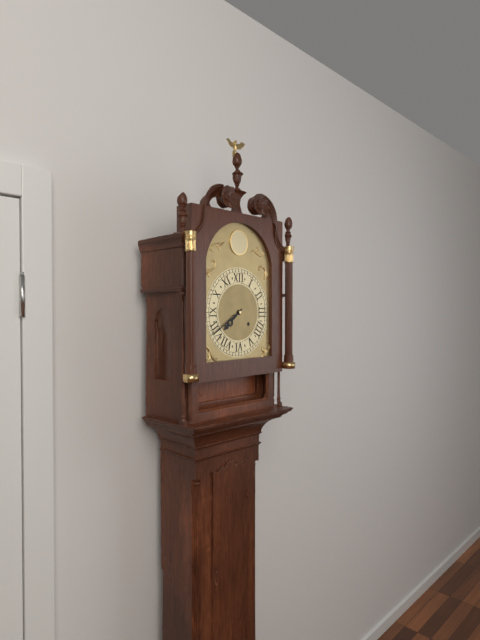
7:40
